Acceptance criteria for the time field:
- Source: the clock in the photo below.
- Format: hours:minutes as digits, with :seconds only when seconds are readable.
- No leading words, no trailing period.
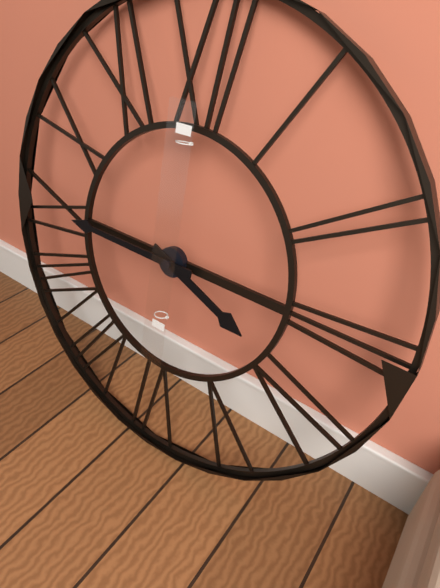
3:45
